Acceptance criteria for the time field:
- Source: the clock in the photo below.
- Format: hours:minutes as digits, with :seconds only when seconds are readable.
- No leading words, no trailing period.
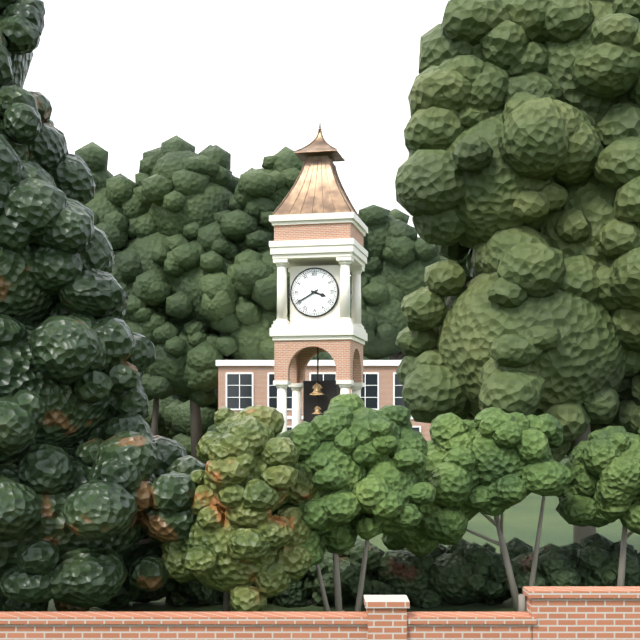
3:40
